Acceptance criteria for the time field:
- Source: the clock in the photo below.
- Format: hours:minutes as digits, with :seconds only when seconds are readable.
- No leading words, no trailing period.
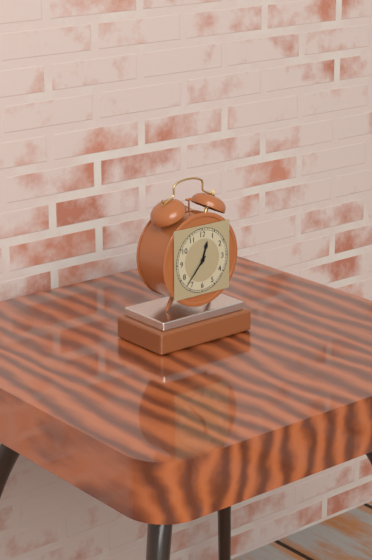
12:37
